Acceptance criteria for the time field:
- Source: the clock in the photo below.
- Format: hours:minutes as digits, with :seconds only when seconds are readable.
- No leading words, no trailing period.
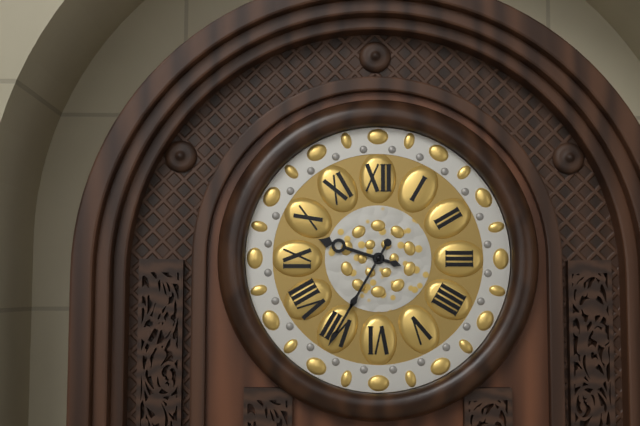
9:35
